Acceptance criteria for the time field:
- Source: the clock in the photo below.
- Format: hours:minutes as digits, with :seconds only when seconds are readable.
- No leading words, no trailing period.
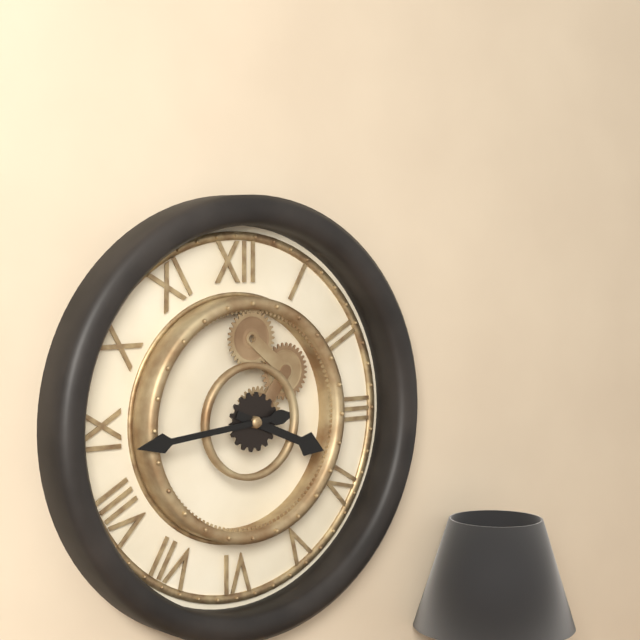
3:44
